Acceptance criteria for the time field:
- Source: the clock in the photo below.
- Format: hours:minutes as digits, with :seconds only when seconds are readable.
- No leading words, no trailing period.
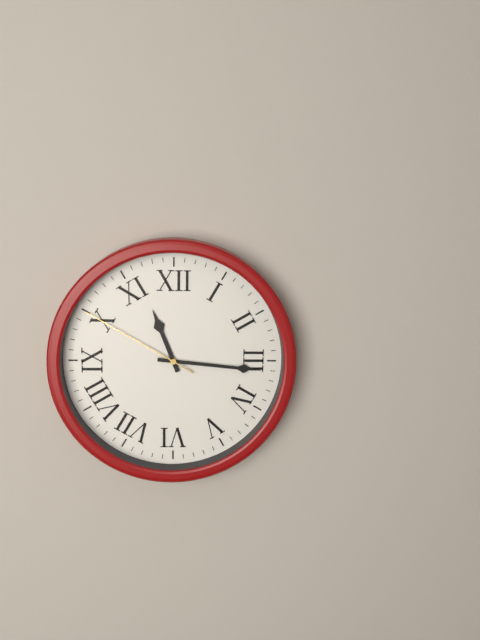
11:16:50
